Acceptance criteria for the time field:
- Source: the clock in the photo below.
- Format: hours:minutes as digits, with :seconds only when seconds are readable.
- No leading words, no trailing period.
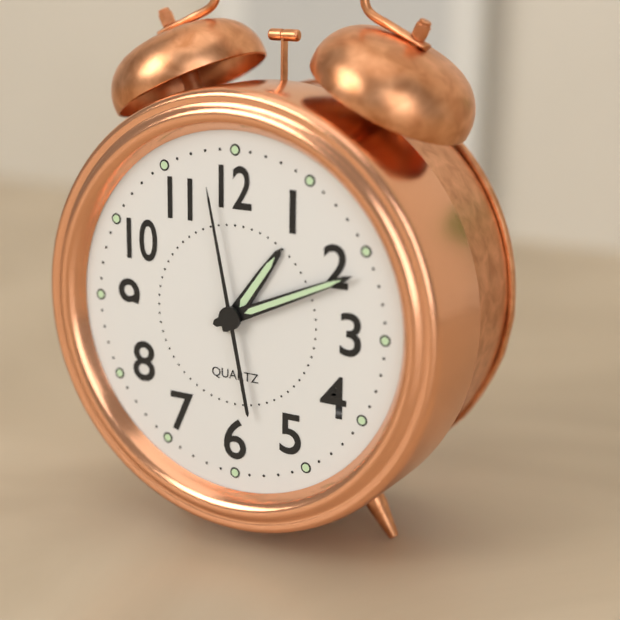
1:11:58
